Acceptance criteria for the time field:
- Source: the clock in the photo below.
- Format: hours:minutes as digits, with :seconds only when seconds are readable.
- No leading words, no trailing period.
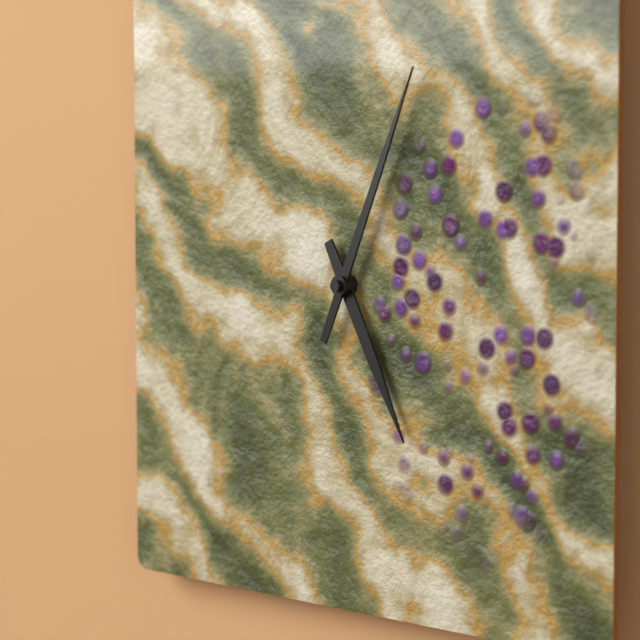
5:04
